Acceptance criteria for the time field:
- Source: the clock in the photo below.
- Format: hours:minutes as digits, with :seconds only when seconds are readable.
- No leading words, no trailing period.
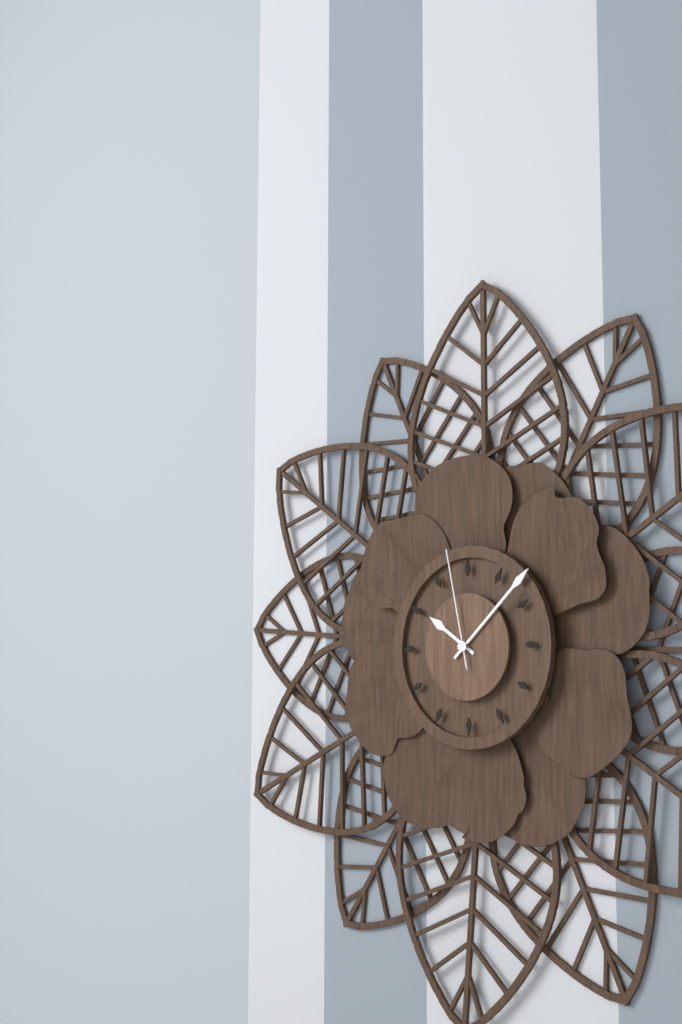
10:08:58
